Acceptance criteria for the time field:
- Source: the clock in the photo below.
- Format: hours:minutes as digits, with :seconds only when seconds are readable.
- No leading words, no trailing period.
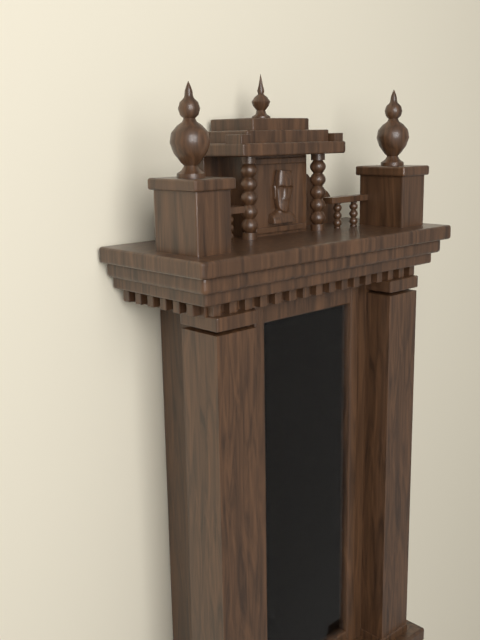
10:25
